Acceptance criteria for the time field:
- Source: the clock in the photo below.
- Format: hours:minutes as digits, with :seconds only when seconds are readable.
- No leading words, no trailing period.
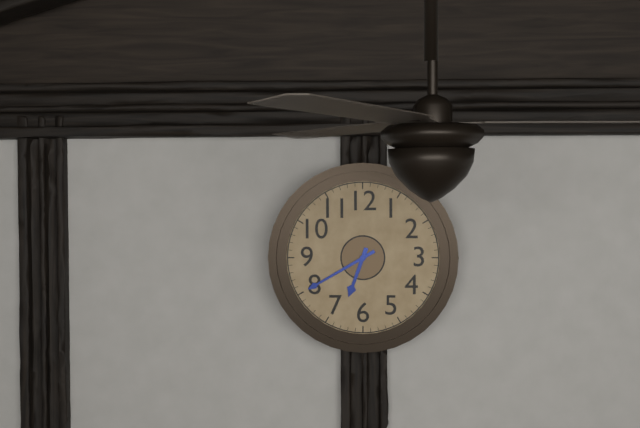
6:40
